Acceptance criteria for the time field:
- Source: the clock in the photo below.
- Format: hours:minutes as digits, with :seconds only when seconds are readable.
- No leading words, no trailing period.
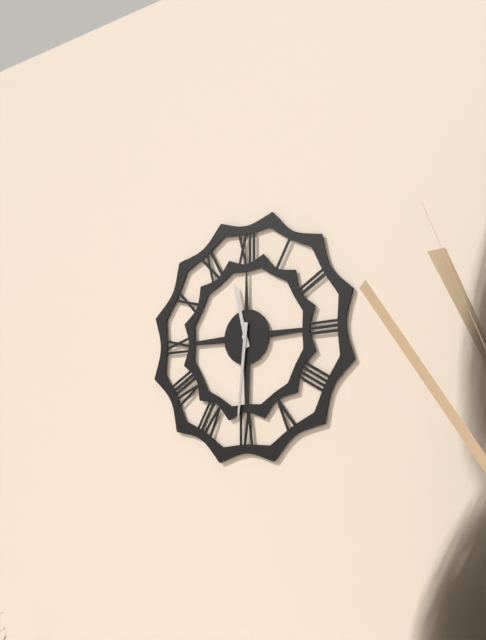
11:31
